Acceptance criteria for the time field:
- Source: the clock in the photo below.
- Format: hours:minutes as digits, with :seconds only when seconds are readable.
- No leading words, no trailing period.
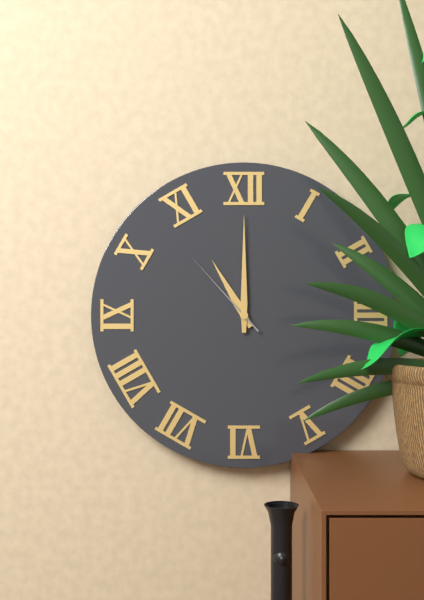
11:00:53
